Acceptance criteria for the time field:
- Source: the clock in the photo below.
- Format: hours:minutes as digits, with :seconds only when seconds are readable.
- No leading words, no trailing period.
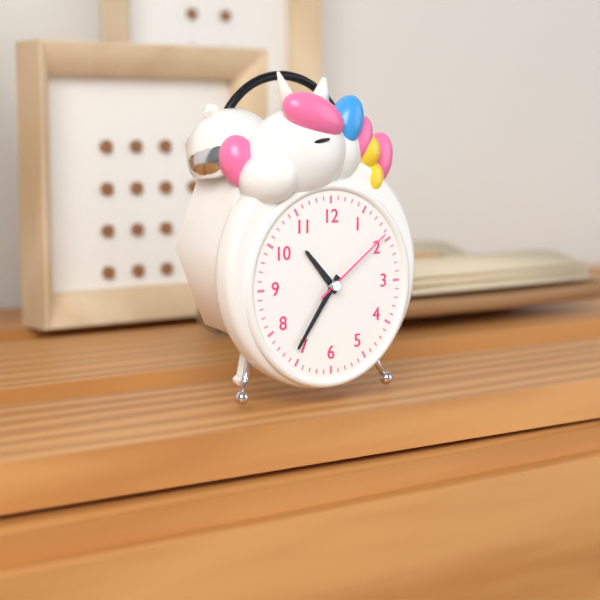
10:36:09
